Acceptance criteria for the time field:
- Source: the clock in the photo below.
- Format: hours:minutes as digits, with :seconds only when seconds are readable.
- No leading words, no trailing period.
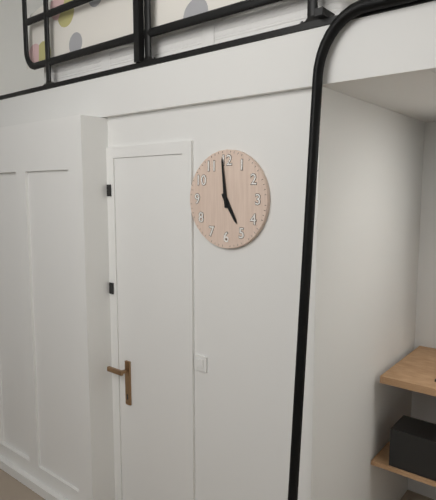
4:59
